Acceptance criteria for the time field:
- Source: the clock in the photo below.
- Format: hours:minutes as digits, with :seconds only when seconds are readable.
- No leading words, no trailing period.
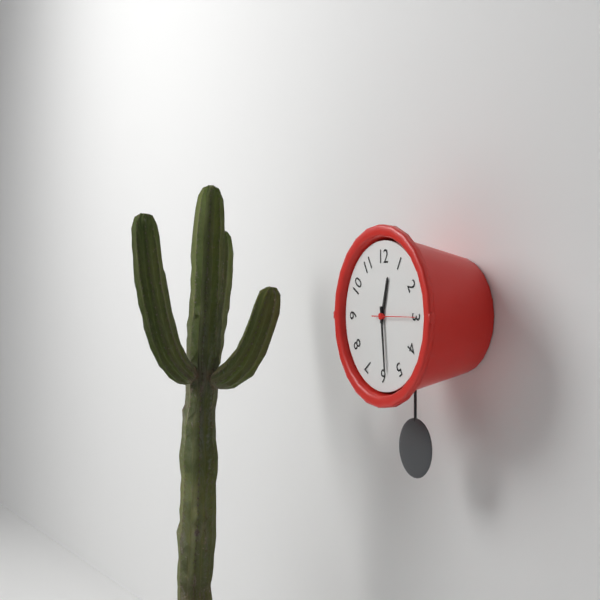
12:29
